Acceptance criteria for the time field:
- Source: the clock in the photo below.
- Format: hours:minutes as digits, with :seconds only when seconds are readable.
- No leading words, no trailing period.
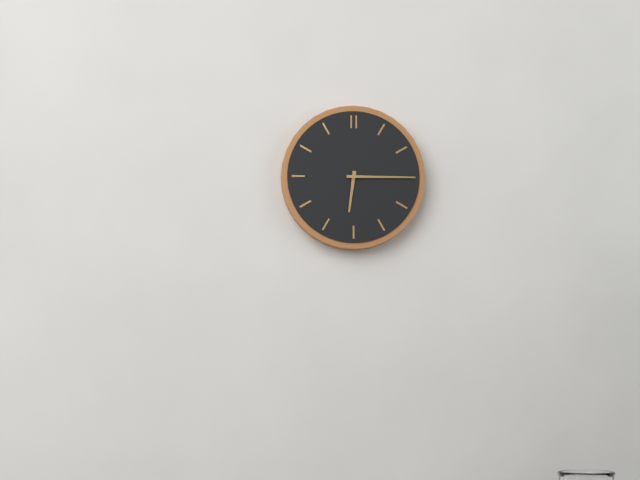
6:15
